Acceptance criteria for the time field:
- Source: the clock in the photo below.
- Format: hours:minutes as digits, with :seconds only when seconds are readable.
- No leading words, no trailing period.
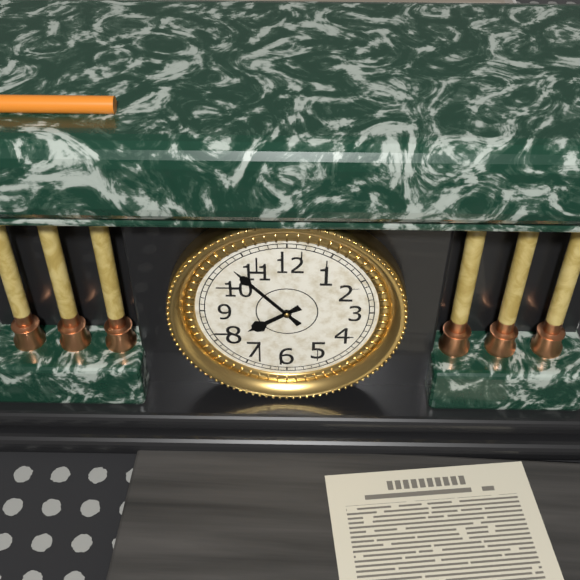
7:53
